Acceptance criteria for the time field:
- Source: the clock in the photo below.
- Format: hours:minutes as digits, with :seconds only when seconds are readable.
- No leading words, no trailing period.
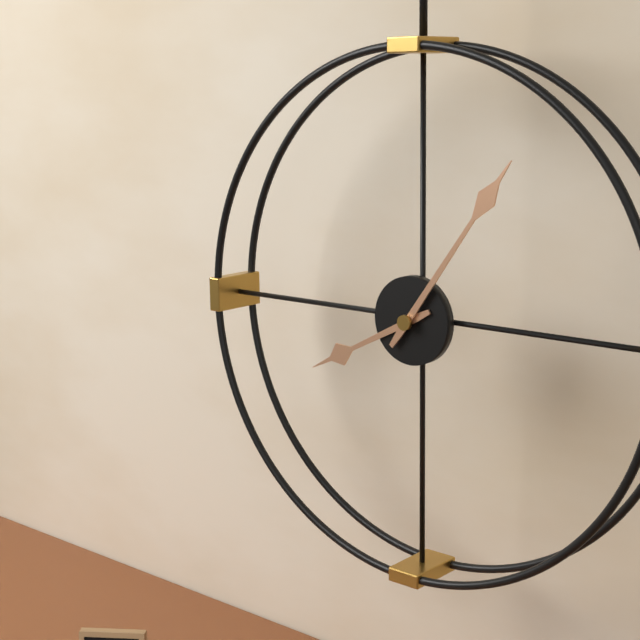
8:06
